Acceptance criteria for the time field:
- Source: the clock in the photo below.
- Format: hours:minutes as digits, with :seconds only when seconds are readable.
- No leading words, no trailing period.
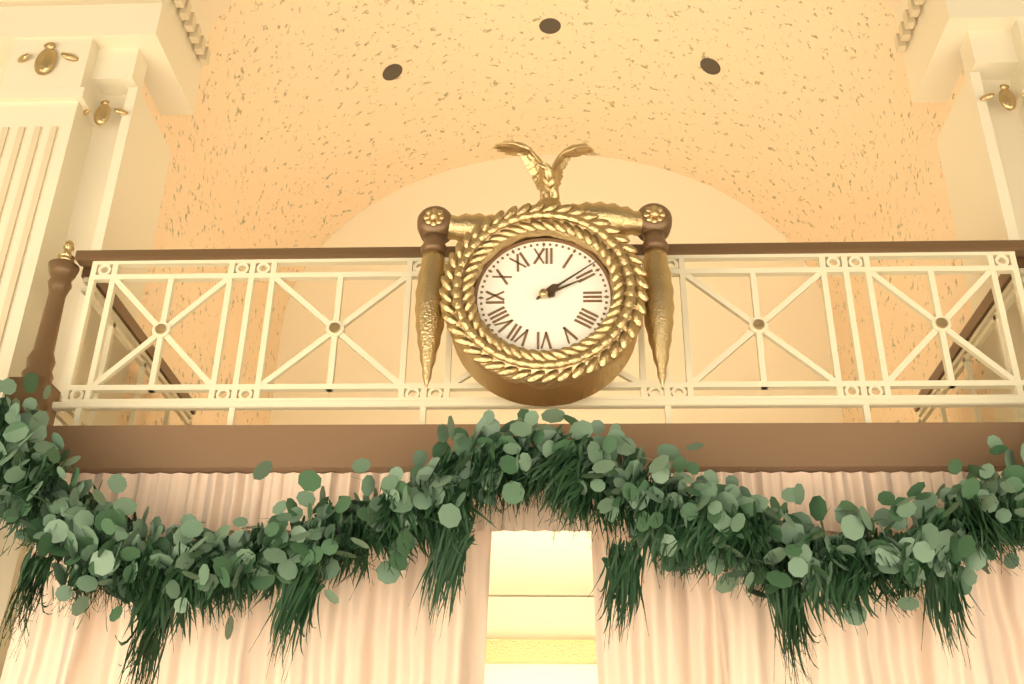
2:09
